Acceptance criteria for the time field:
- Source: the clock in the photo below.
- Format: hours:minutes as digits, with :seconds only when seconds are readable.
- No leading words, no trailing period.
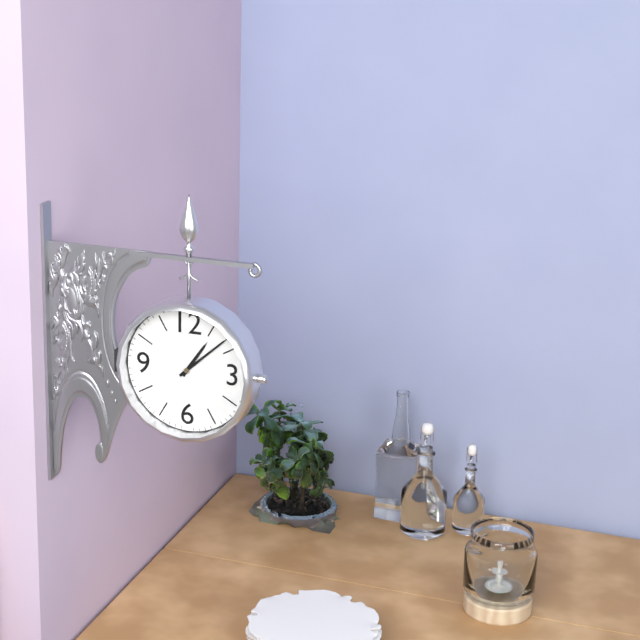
1:08
